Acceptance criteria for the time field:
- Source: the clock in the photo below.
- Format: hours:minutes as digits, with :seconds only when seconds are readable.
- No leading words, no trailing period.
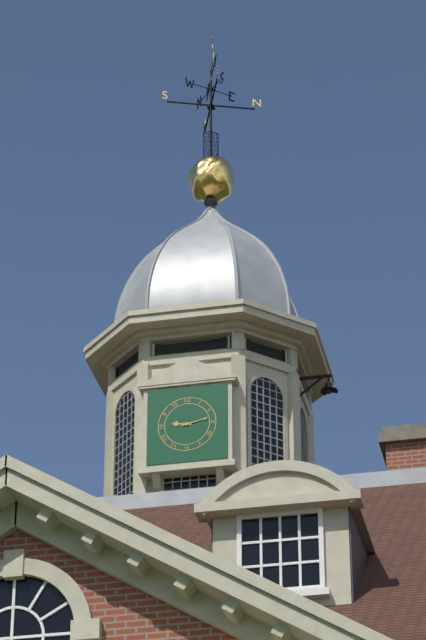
9:13
